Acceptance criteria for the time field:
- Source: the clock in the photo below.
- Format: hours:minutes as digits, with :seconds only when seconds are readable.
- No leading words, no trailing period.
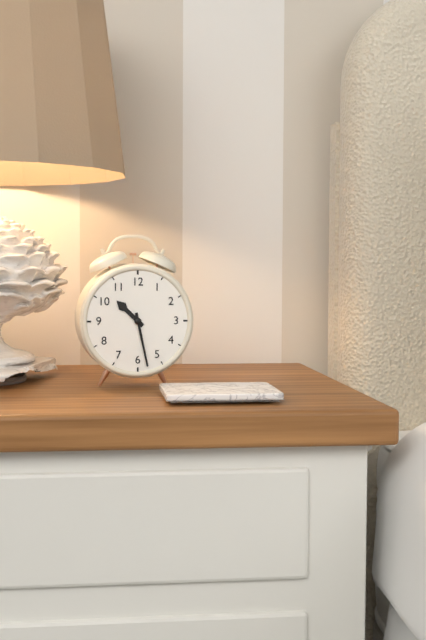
10:28
